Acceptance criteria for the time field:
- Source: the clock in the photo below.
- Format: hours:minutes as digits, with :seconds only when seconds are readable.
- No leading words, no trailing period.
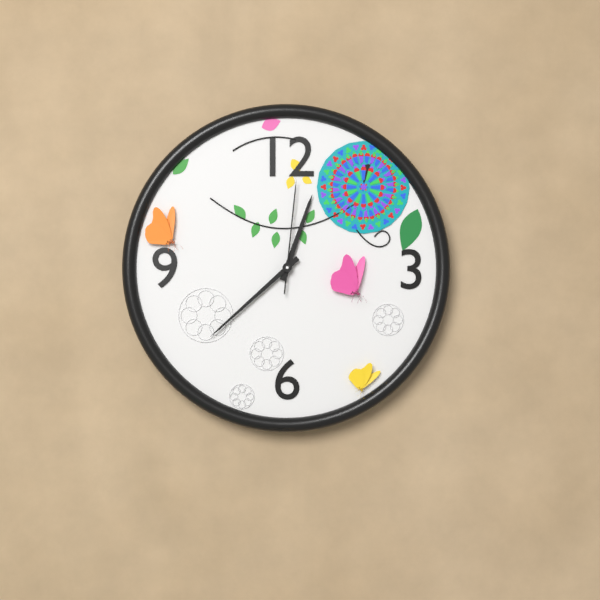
12:38:01
